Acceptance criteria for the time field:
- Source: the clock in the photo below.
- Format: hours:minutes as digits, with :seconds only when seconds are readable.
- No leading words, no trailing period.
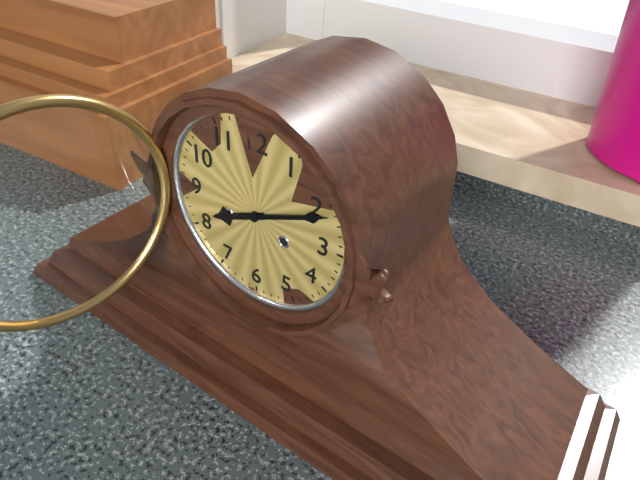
8:11
